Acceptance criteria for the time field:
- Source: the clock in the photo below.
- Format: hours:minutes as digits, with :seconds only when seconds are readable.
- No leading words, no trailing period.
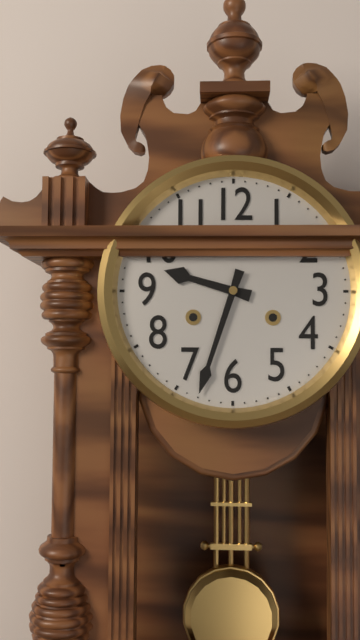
9:33
